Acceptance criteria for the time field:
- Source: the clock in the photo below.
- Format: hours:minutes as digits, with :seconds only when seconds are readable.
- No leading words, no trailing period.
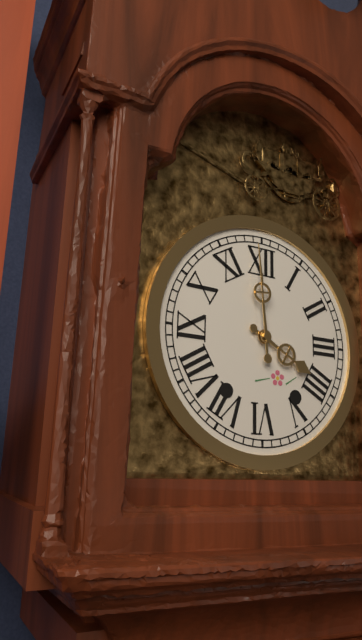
3:59
